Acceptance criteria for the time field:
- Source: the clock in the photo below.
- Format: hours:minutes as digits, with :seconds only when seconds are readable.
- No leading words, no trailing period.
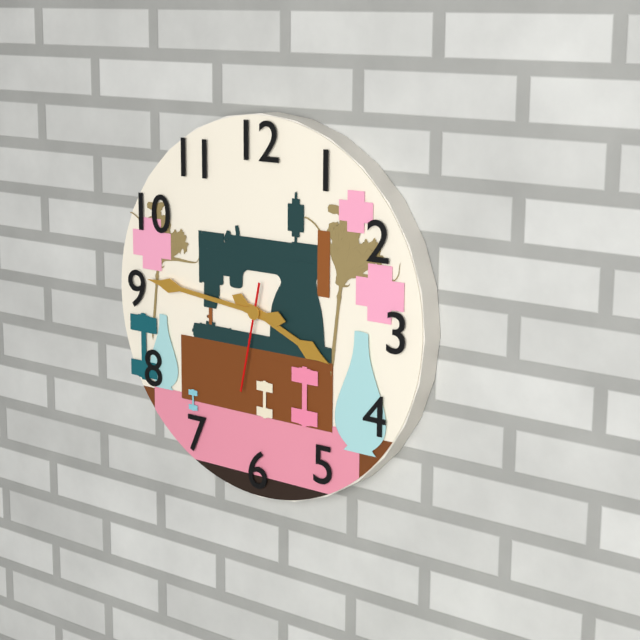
3:46:32
